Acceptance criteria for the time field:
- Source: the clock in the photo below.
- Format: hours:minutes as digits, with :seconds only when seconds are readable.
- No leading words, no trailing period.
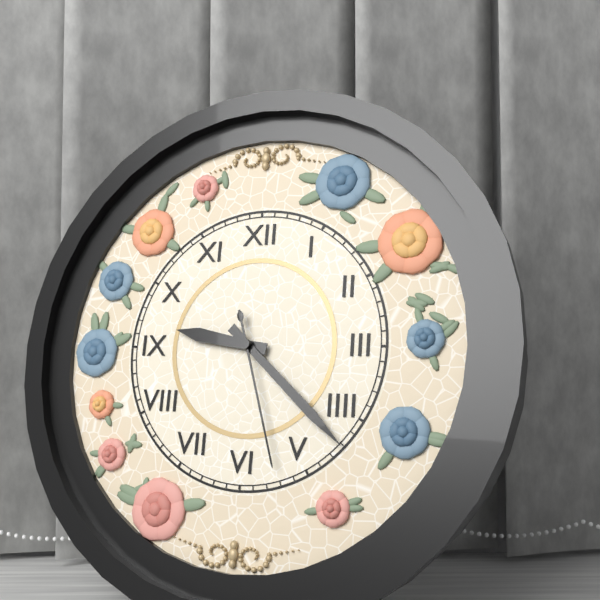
9:22:27
